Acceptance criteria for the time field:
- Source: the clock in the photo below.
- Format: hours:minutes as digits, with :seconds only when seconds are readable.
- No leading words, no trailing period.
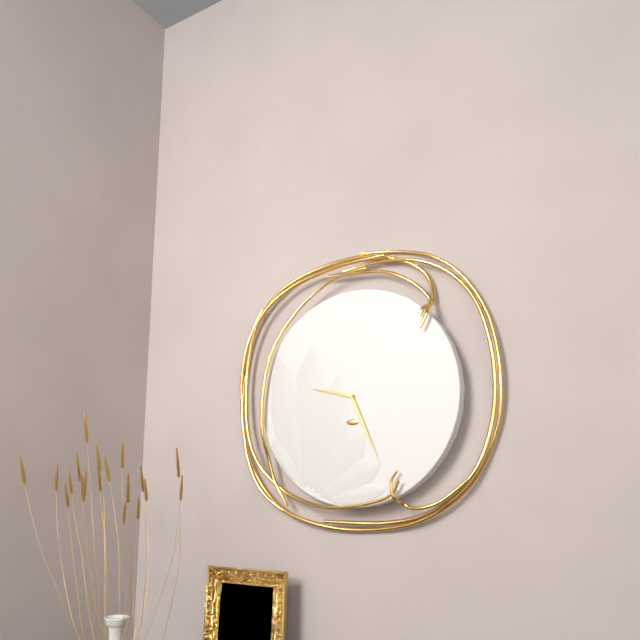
9:26
